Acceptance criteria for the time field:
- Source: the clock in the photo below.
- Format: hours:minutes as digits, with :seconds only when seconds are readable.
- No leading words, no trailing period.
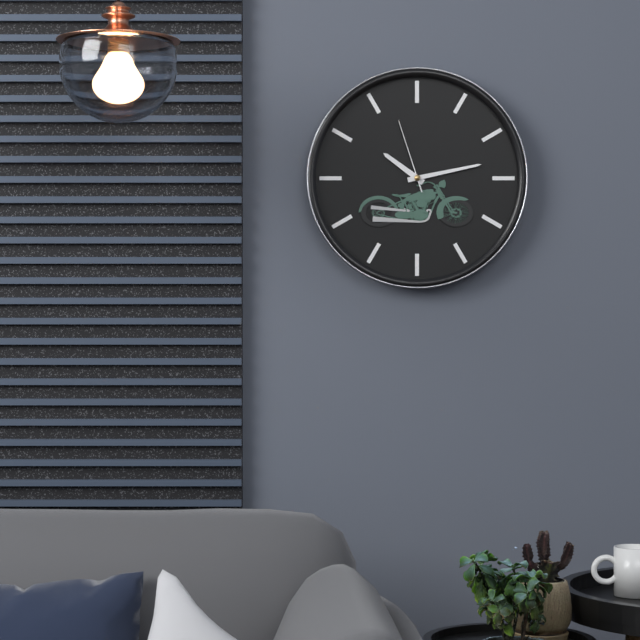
10:13:57
